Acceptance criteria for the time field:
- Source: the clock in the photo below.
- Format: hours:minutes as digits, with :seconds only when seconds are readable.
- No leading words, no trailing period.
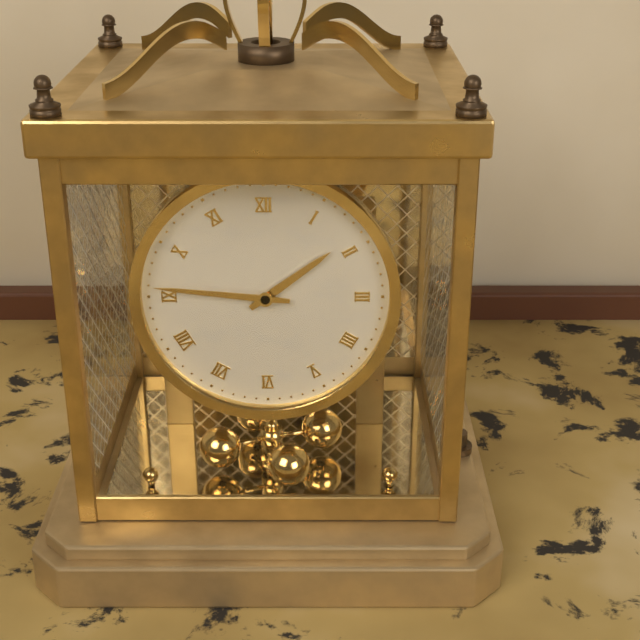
1:46
